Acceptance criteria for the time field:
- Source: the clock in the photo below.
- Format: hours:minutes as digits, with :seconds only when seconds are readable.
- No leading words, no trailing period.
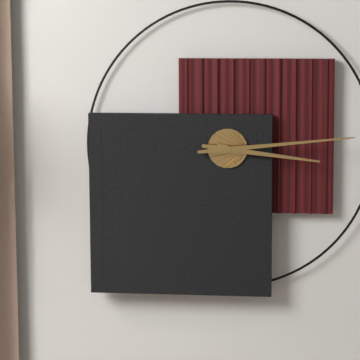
3:14
